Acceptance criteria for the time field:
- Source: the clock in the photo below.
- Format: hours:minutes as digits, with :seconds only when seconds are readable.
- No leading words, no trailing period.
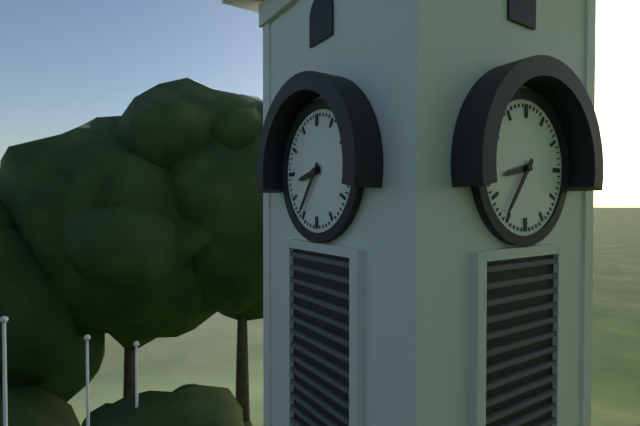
8:36
